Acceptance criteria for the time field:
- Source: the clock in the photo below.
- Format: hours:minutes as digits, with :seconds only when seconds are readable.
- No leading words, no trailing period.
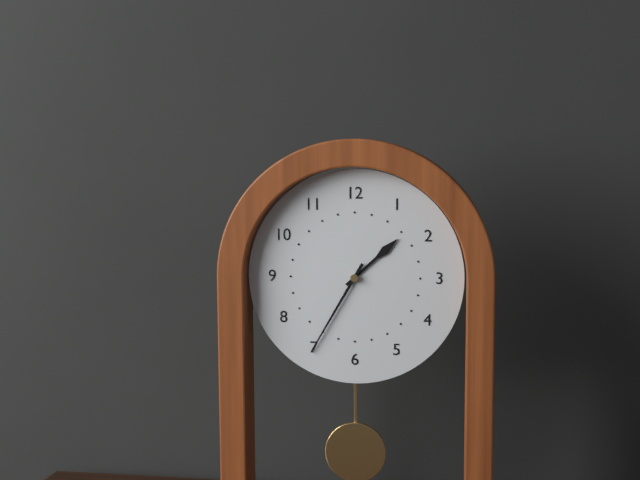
1:35
